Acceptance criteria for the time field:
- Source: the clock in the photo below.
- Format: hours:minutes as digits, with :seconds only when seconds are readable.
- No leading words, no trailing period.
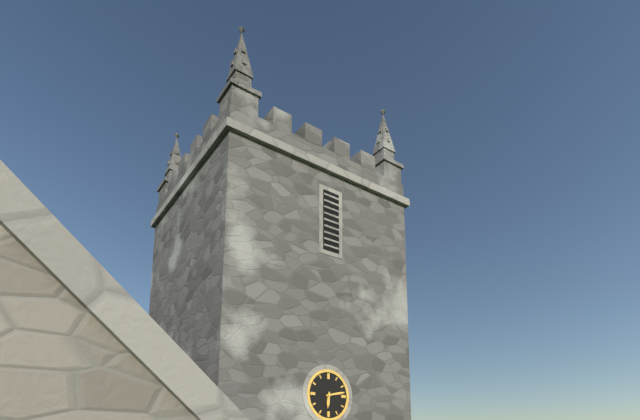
6:13
